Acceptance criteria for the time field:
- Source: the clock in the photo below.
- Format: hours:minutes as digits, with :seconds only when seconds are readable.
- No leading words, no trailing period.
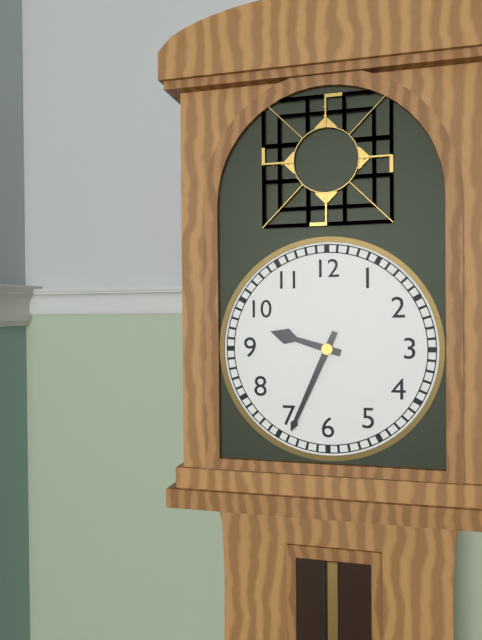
9:34
